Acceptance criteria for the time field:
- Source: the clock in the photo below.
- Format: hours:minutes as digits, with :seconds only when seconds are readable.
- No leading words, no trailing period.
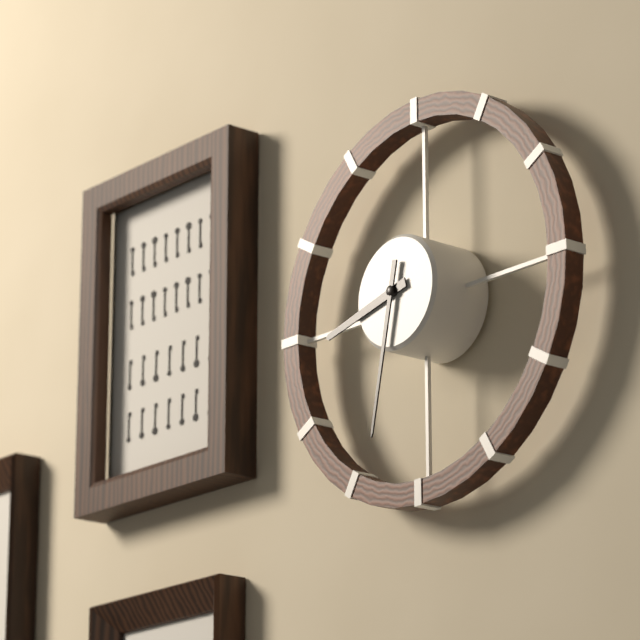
8:32
